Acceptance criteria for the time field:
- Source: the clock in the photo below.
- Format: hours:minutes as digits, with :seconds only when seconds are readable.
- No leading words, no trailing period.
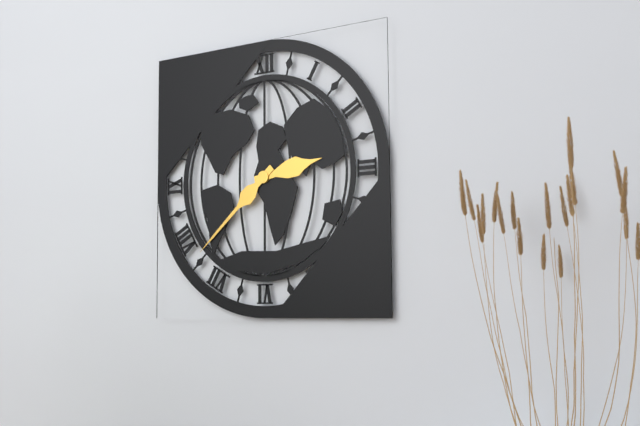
2:38
